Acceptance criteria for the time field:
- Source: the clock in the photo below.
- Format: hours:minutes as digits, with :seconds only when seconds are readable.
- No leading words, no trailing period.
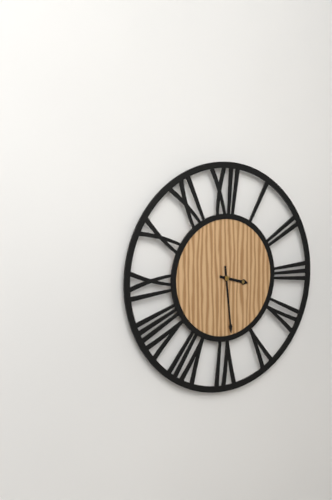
3:29
